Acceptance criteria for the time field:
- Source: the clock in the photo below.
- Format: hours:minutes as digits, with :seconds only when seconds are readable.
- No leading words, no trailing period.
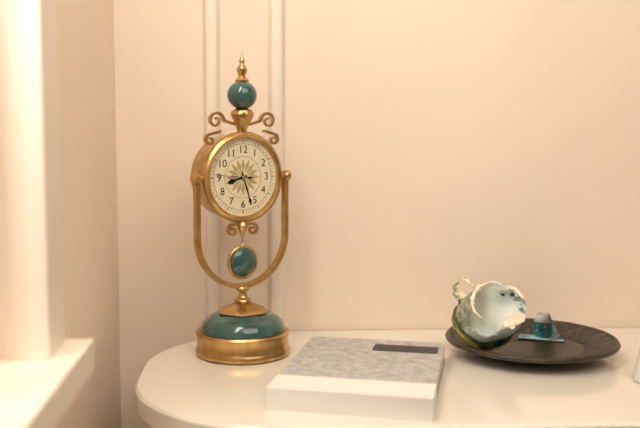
8:27
